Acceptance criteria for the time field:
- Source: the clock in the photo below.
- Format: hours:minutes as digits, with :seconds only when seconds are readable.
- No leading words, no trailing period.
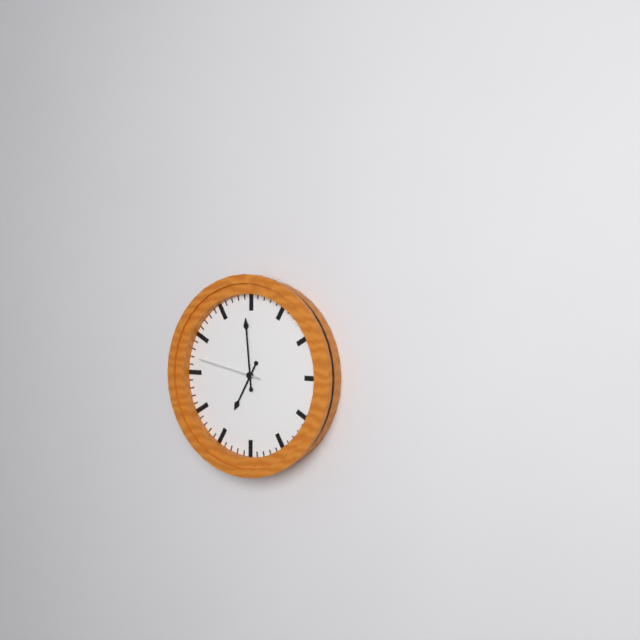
6:59:47
